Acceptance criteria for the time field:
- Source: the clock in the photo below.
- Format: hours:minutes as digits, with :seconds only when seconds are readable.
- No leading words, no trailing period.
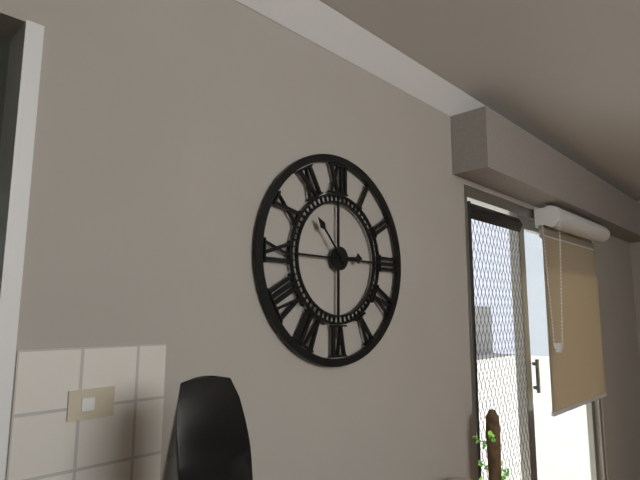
2:53
